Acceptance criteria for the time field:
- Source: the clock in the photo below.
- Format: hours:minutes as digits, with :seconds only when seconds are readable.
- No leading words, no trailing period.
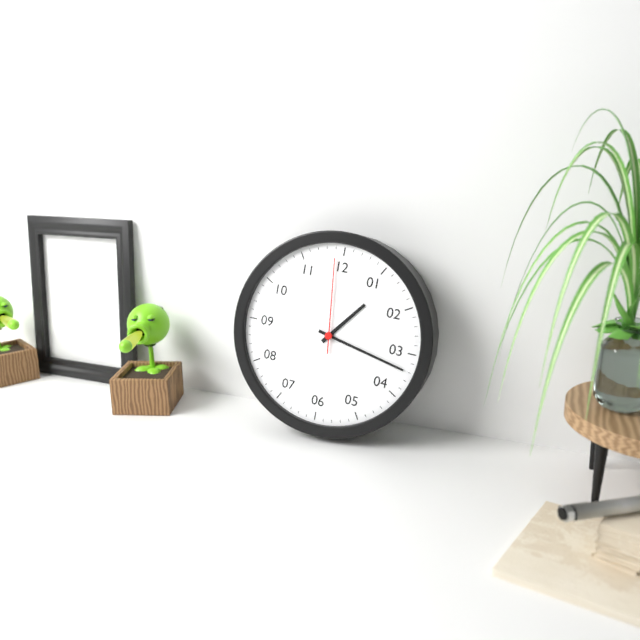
1:17:59
